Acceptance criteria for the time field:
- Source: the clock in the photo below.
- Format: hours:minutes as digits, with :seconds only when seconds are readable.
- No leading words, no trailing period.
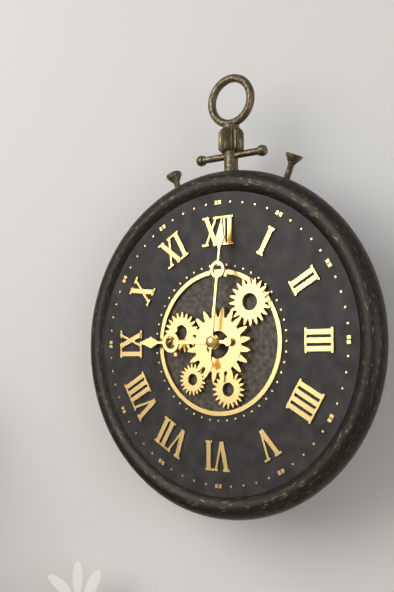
9:01
